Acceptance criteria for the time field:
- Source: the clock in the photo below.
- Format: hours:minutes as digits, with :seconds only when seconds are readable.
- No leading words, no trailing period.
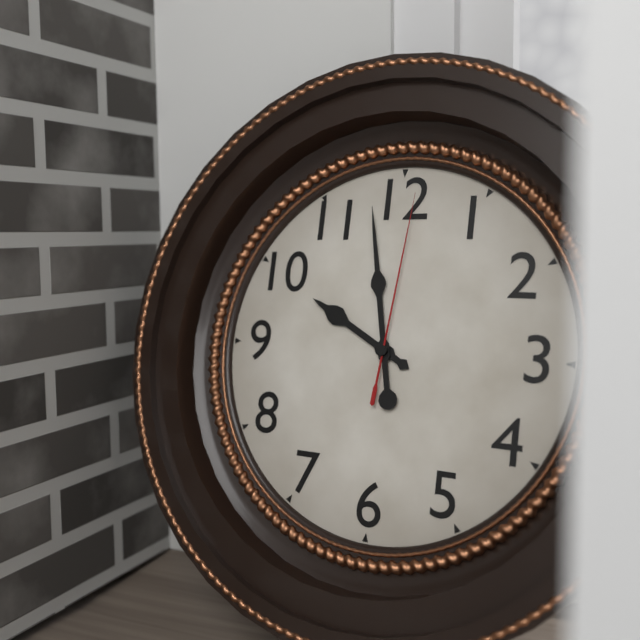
9:58:01
